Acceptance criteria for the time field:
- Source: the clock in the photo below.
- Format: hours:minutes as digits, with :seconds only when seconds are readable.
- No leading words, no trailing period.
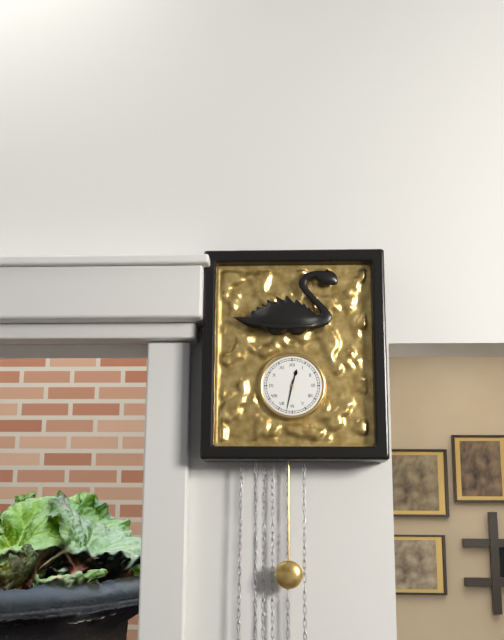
12:32
